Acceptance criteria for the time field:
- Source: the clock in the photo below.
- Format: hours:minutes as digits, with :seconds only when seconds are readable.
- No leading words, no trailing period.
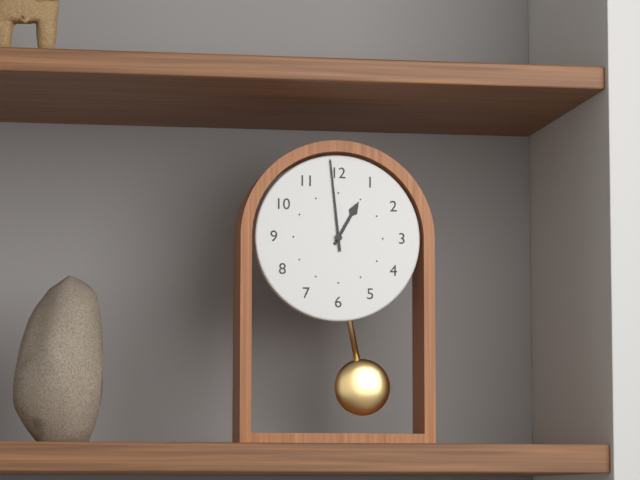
12:59
